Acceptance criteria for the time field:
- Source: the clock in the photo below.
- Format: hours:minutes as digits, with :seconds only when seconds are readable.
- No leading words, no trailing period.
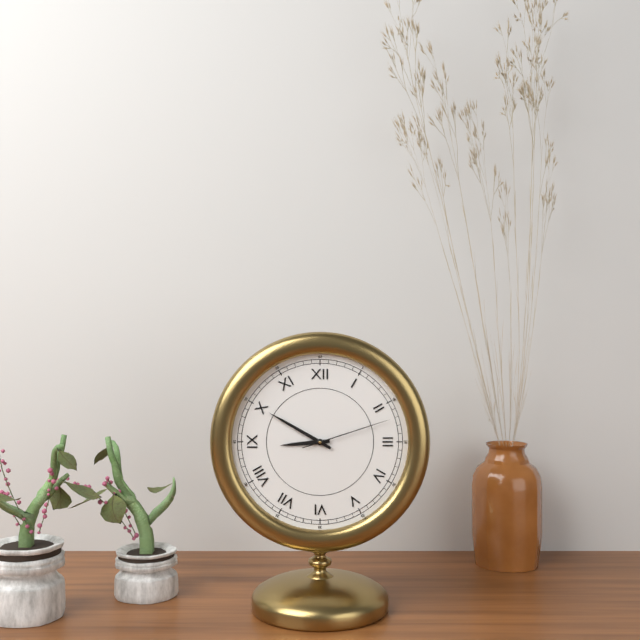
8:50:12
